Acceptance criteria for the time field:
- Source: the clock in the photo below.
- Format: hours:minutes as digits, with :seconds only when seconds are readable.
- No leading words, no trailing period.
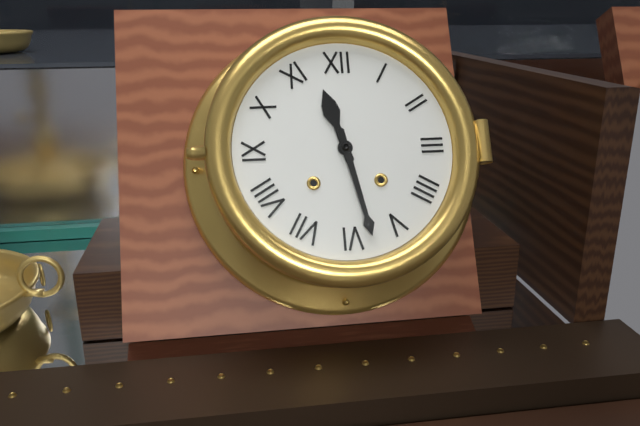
11:28
